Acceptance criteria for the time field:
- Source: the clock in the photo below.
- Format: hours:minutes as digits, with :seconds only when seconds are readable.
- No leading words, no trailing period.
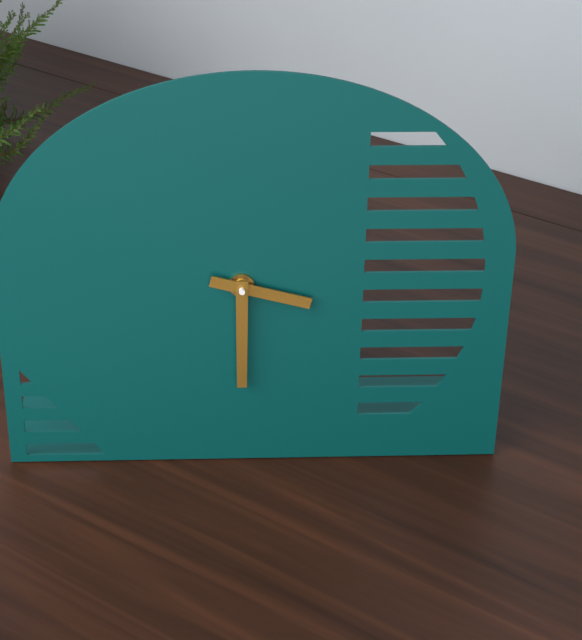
3:30
